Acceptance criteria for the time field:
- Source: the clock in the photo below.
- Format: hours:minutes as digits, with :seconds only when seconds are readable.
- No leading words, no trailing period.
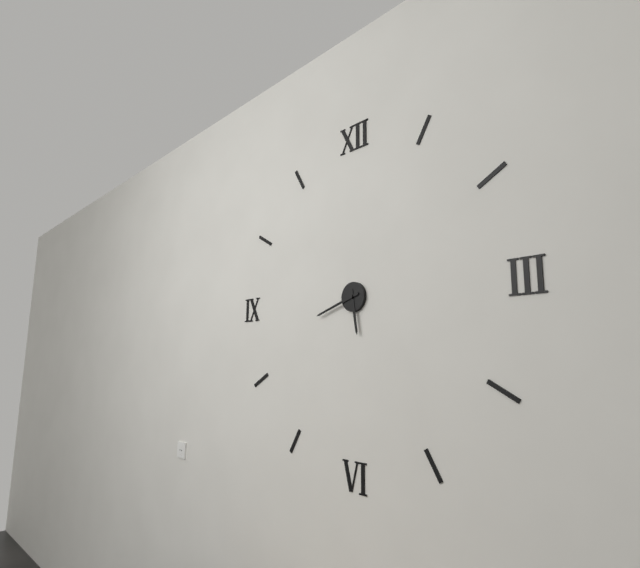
5:42
